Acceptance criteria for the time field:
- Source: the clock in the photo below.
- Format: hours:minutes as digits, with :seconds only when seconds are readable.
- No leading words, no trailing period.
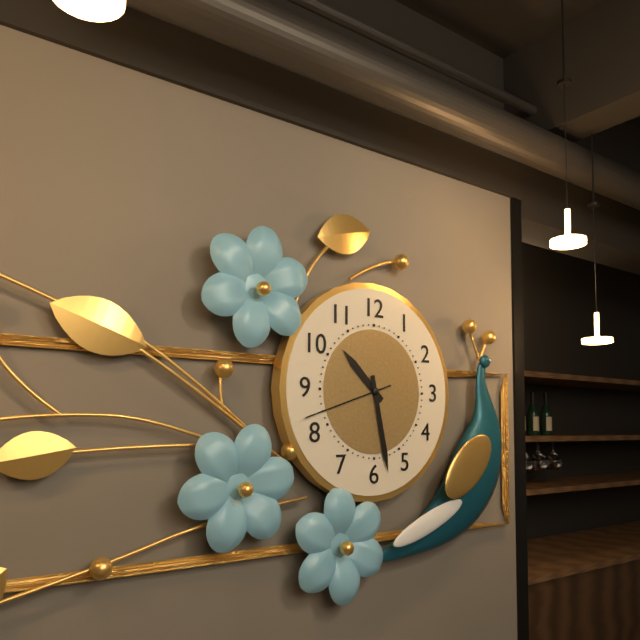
10:28:42
